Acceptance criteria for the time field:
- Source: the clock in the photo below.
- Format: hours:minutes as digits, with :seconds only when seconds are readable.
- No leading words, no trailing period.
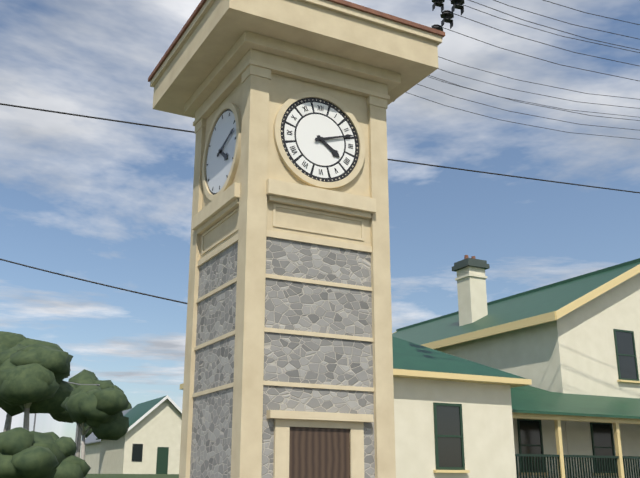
4:12
